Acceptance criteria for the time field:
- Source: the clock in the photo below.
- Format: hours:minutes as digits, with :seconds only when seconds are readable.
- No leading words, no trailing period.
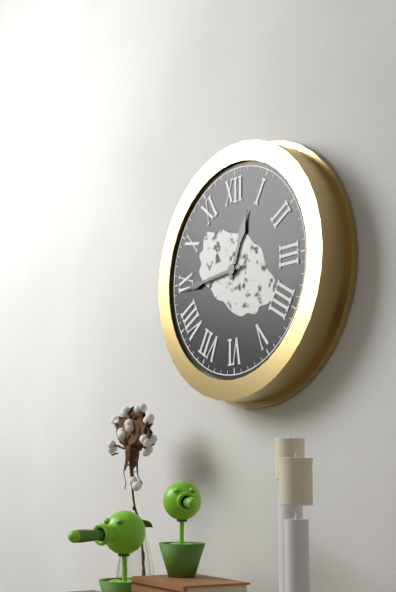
12:44
